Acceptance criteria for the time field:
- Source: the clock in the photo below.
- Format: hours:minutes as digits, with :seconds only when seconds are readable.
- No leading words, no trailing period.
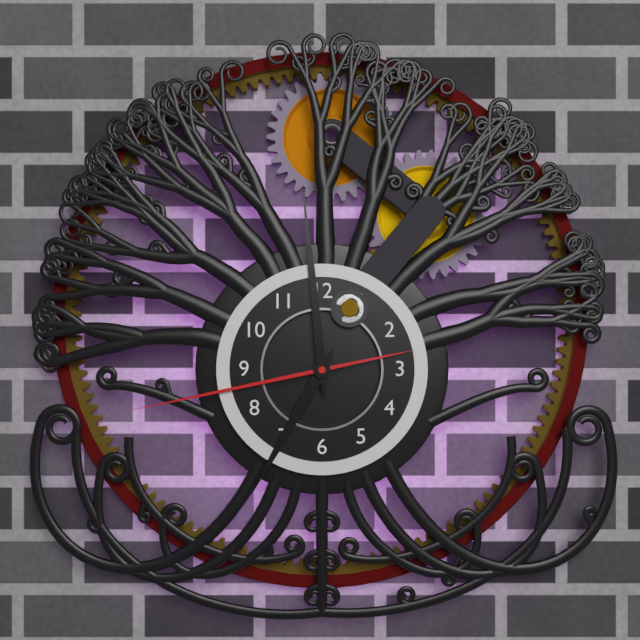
6:59:43
